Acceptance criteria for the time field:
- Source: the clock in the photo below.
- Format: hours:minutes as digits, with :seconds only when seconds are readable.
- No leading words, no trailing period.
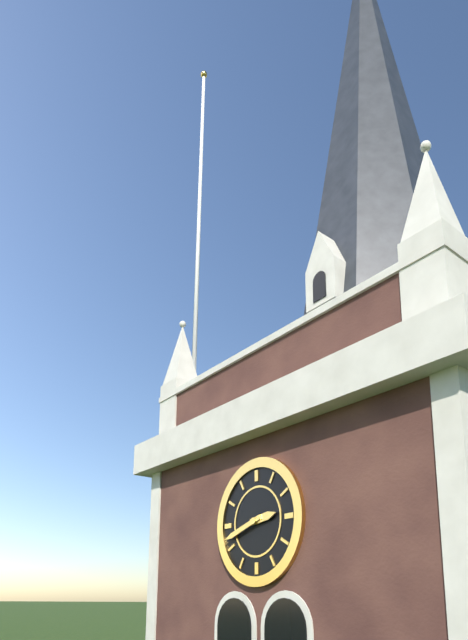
2:42
